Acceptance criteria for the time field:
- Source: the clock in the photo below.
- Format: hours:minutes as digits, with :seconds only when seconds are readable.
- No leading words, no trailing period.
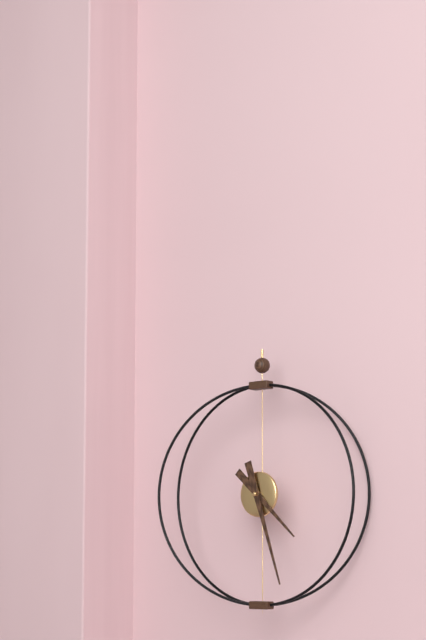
4:27
